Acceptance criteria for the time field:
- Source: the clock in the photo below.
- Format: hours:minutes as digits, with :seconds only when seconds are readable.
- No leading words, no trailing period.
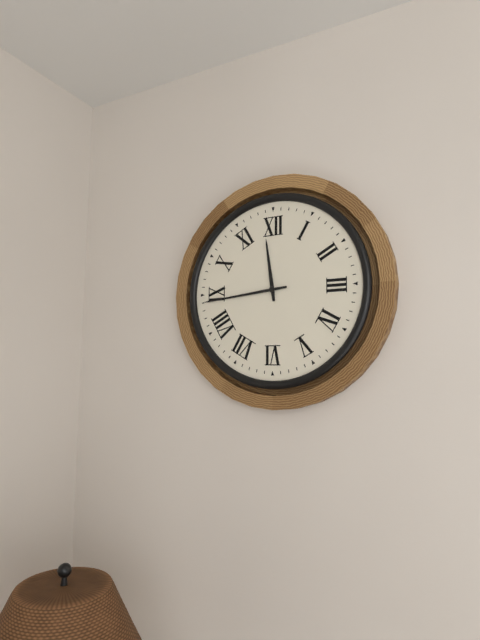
11:44
